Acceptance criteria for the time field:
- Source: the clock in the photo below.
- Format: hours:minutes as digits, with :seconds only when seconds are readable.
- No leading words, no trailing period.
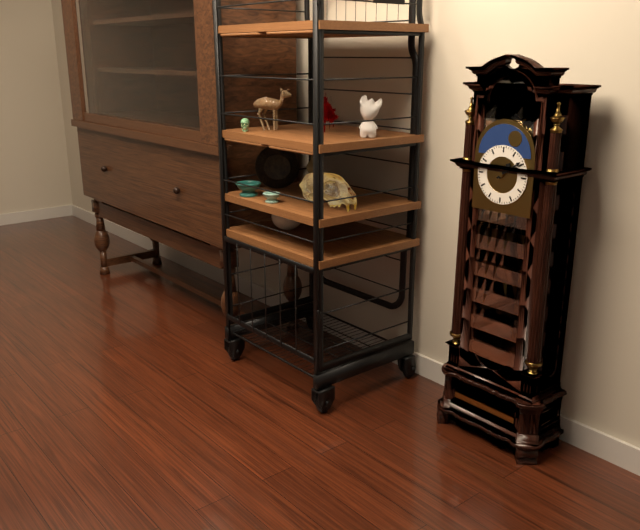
1:09
